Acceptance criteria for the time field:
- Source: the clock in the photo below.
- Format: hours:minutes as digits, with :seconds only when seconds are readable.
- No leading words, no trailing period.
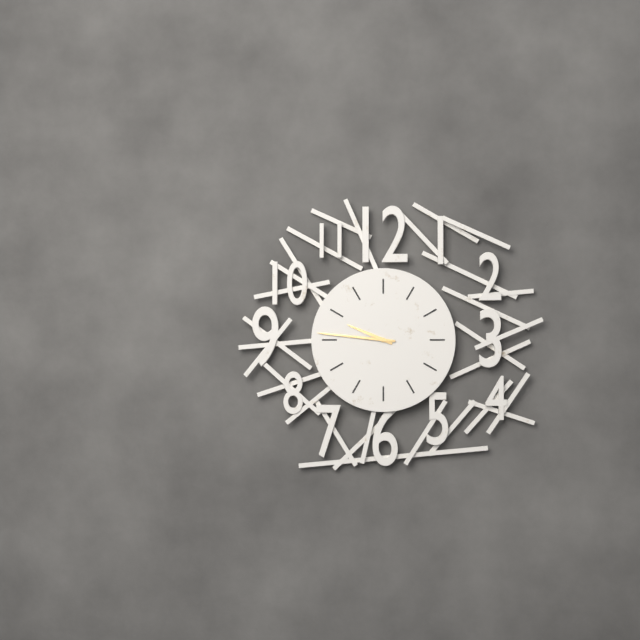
9:46
